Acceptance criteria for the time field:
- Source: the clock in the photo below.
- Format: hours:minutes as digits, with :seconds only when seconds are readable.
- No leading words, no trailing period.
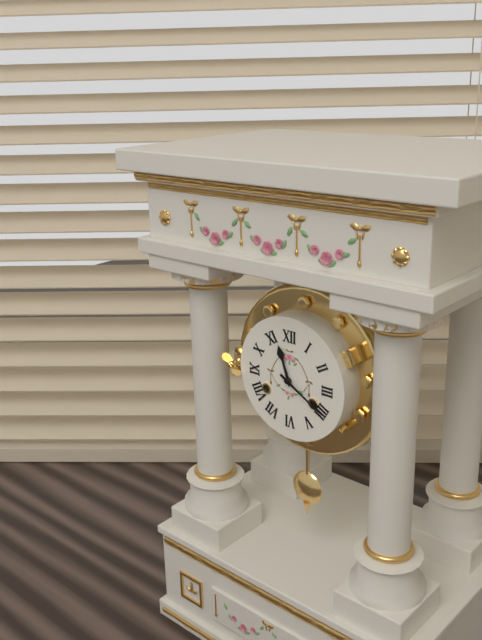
11:20
